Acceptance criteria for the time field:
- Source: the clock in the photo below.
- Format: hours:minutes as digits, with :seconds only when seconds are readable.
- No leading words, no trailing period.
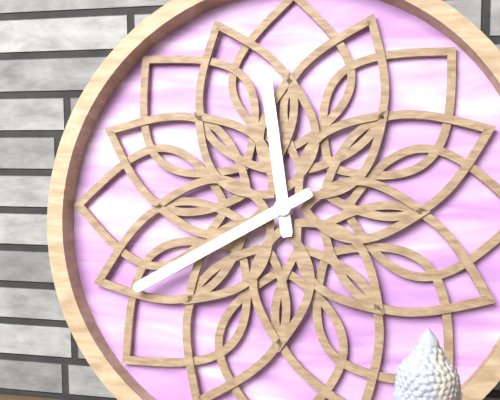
11:40
